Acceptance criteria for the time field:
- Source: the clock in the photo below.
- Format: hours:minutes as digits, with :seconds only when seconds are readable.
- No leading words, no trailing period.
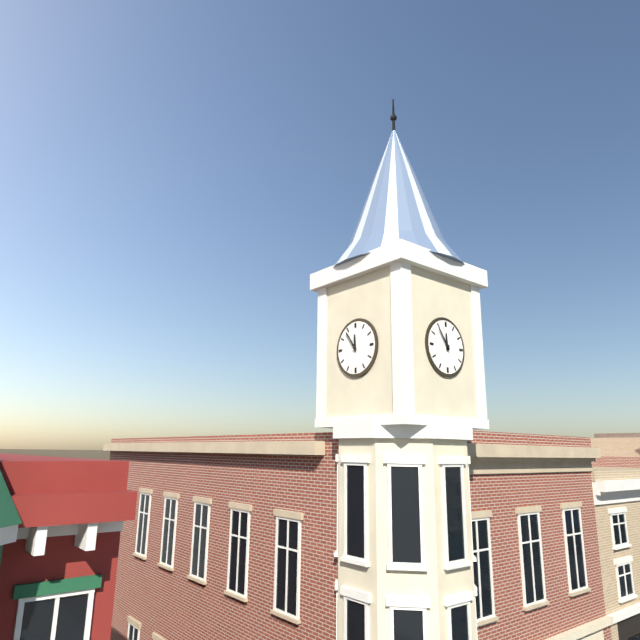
11:54
